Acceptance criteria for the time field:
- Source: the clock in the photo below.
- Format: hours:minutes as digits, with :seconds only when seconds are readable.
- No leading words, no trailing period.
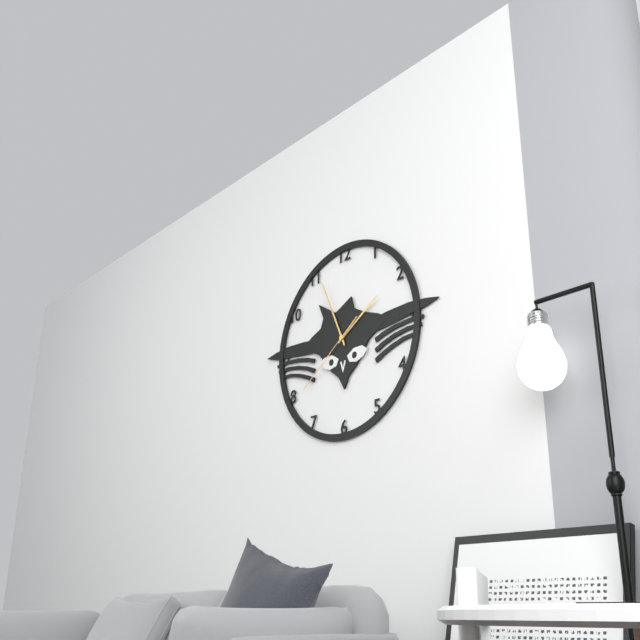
1:56:39
